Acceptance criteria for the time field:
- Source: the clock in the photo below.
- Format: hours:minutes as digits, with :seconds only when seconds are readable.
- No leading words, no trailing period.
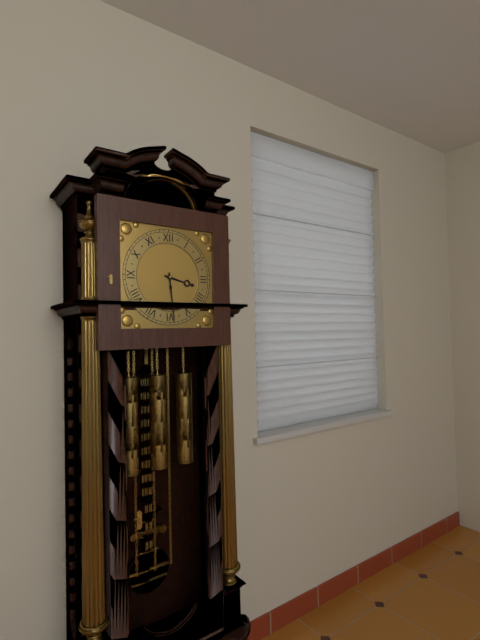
3:29
